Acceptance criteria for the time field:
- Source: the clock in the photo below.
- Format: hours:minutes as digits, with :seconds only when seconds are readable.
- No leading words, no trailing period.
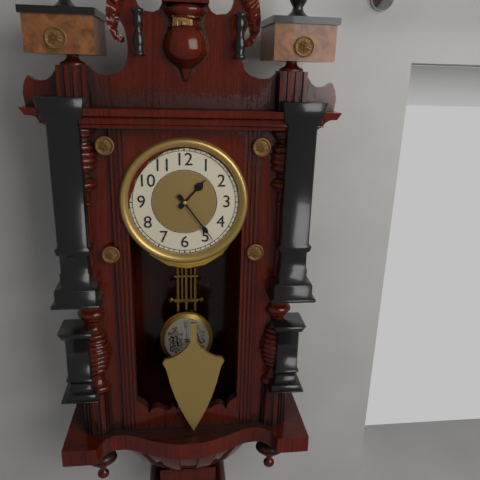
1:24
